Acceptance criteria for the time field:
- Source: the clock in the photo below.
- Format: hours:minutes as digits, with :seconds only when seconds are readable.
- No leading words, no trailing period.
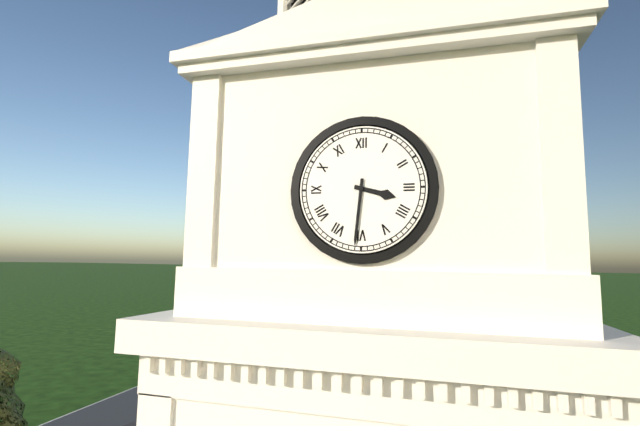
3:31
